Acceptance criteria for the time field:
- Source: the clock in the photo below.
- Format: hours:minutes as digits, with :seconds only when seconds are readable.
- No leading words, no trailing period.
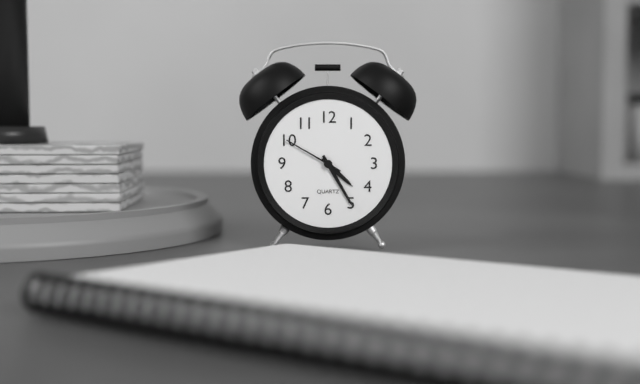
4:25:50
